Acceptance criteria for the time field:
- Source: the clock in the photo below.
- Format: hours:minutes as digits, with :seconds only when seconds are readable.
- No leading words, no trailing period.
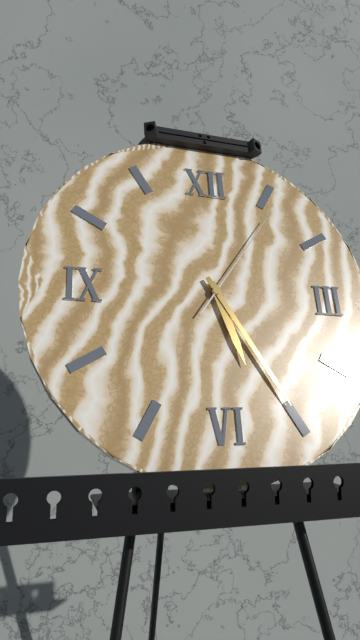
5:25:06
